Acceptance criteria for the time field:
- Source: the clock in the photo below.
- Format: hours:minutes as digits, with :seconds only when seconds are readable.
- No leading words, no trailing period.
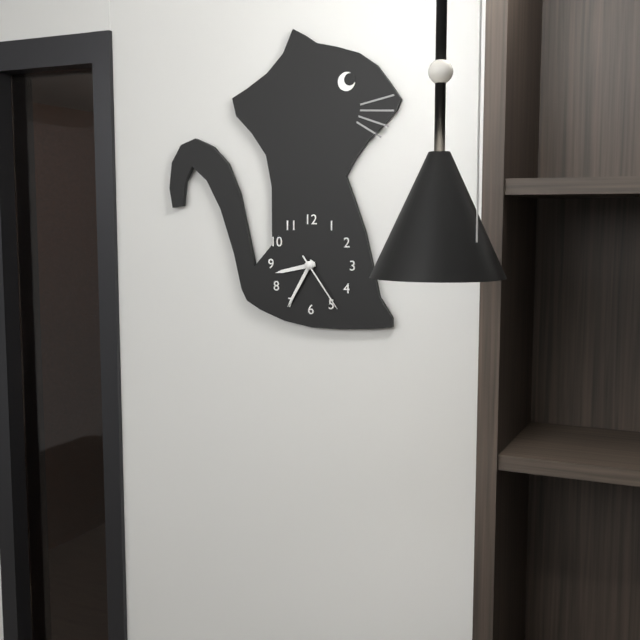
8:35:24
